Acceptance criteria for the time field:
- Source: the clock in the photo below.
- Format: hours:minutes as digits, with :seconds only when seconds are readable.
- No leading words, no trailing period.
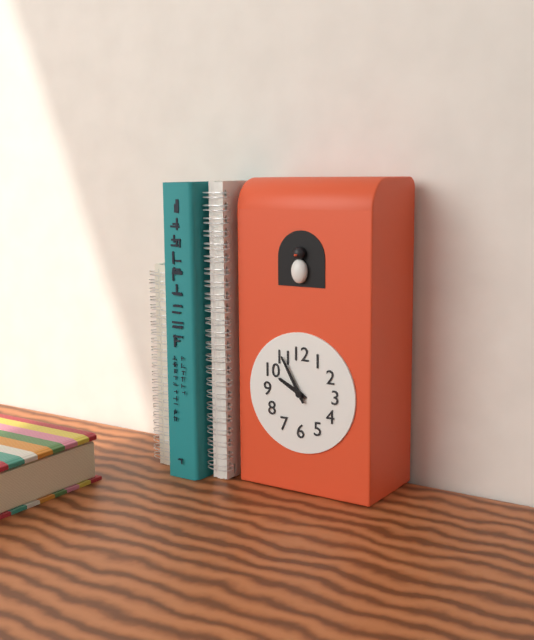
9:55
